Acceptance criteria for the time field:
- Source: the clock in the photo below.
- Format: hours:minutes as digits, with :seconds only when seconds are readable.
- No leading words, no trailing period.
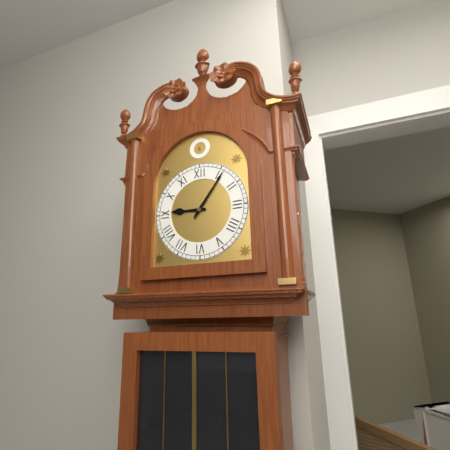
9:06
